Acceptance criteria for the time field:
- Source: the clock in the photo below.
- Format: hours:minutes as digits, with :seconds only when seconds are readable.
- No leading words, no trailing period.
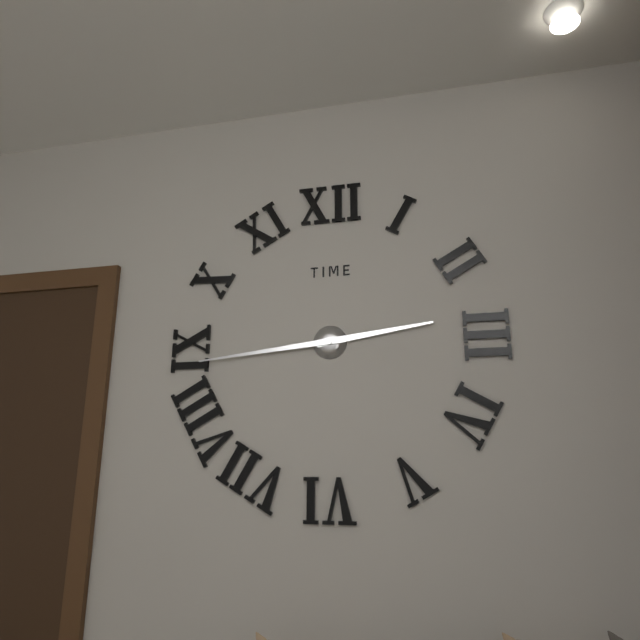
2:44
